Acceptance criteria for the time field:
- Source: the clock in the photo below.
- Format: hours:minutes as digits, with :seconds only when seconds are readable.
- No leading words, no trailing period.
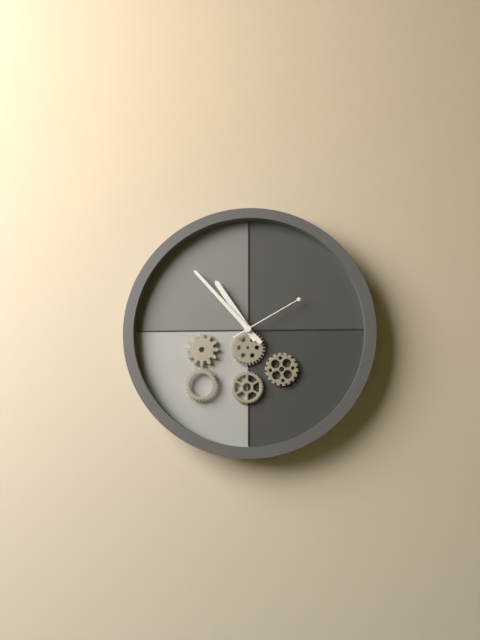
10:53:10
